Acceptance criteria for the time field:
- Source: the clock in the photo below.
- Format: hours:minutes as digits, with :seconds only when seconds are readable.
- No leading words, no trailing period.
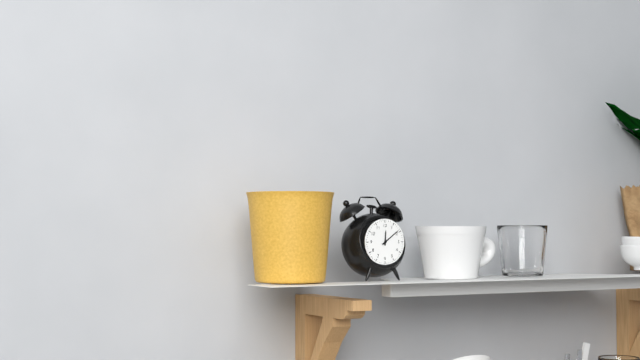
12:09
